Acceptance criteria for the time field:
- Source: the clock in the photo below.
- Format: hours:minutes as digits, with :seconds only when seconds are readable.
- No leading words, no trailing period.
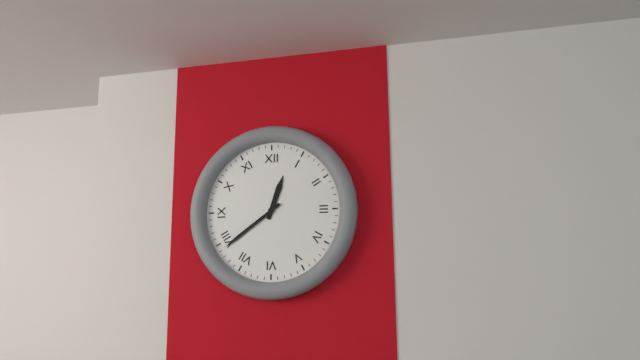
12:39
